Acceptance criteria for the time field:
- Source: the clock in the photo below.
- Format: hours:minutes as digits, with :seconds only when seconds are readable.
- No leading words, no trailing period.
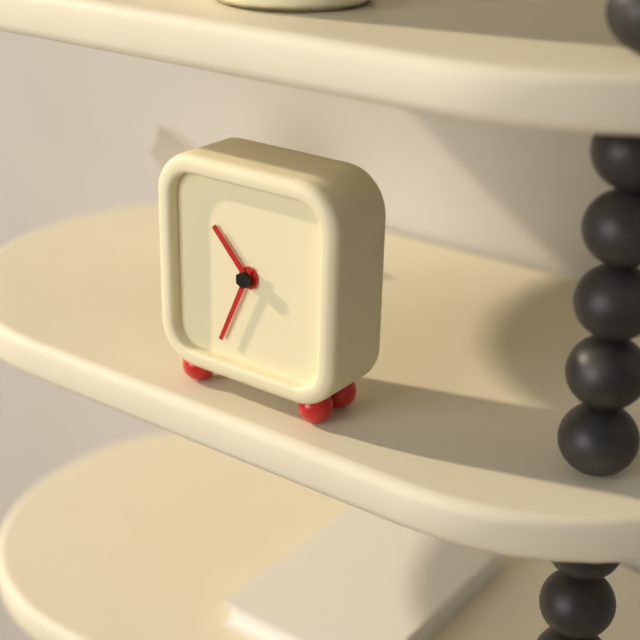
10:34
